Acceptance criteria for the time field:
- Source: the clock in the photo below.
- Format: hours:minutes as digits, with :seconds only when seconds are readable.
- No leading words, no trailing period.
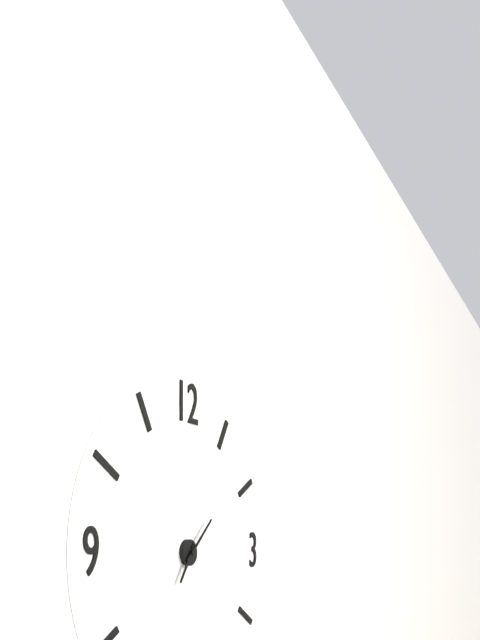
7:08
